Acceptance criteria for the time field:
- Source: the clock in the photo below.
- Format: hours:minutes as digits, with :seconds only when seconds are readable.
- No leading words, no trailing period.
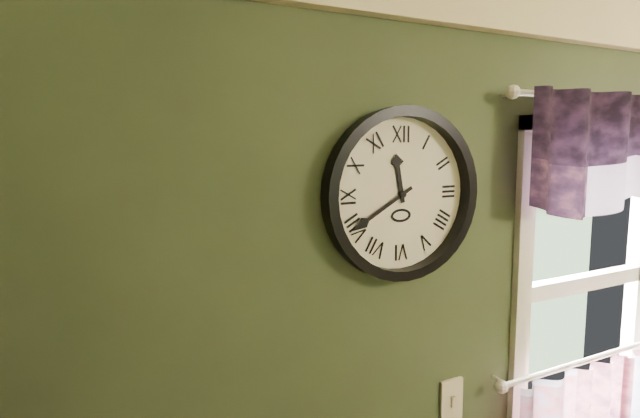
11:40
